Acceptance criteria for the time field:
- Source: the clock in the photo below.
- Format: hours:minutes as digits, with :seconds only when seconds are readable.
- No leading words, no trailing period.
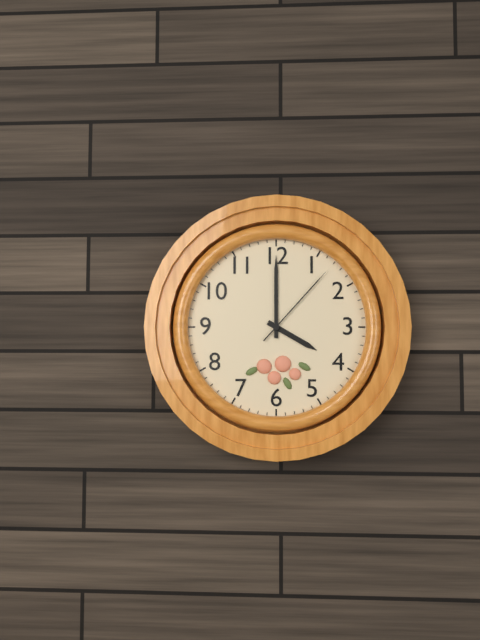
4:00:07
